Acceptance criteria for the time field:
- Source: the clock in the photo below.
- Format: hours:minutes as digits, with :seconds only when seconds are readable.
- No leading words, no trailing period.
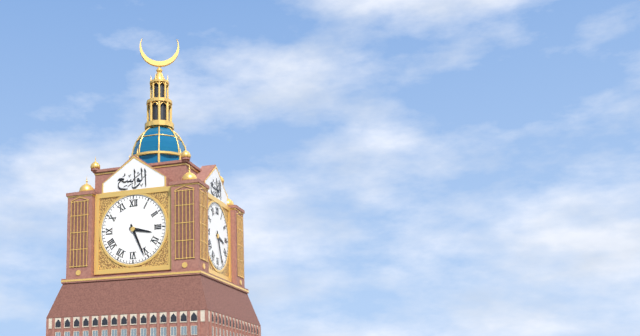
3:26
